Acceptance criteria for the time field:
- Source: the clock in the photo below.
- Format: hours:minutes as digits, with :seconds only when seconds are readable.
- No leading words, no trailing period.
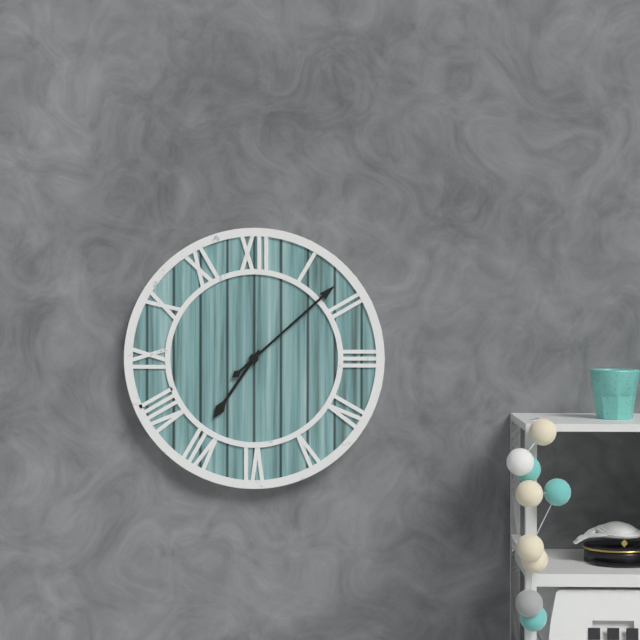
7:08
